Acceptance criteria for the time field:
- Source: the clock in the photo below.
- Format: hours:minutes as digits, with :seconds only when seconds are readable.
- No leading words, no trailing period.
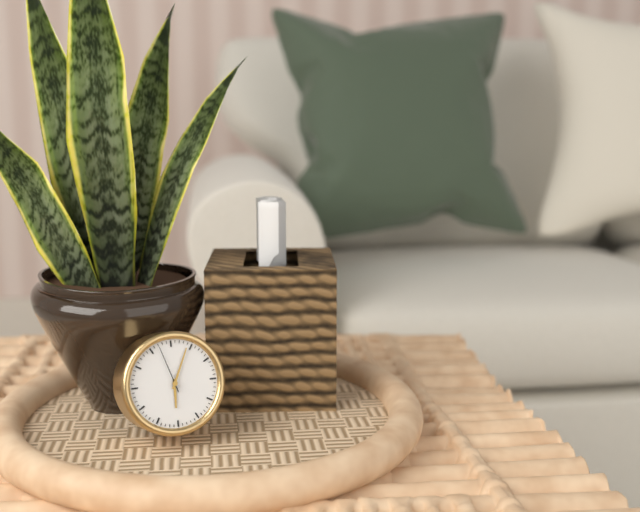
6:04
